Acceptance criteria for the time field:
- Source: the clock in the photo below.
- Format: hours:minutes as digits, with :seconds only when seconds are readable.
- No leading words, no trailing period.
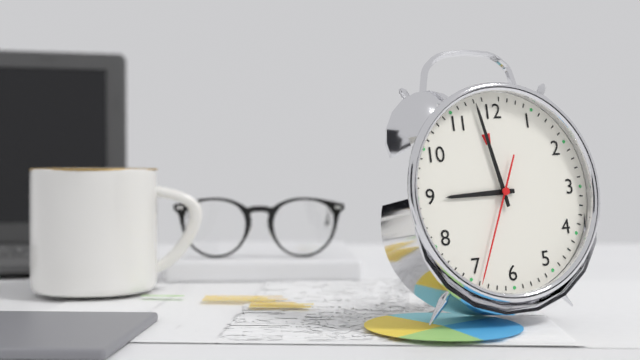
8:58:34
